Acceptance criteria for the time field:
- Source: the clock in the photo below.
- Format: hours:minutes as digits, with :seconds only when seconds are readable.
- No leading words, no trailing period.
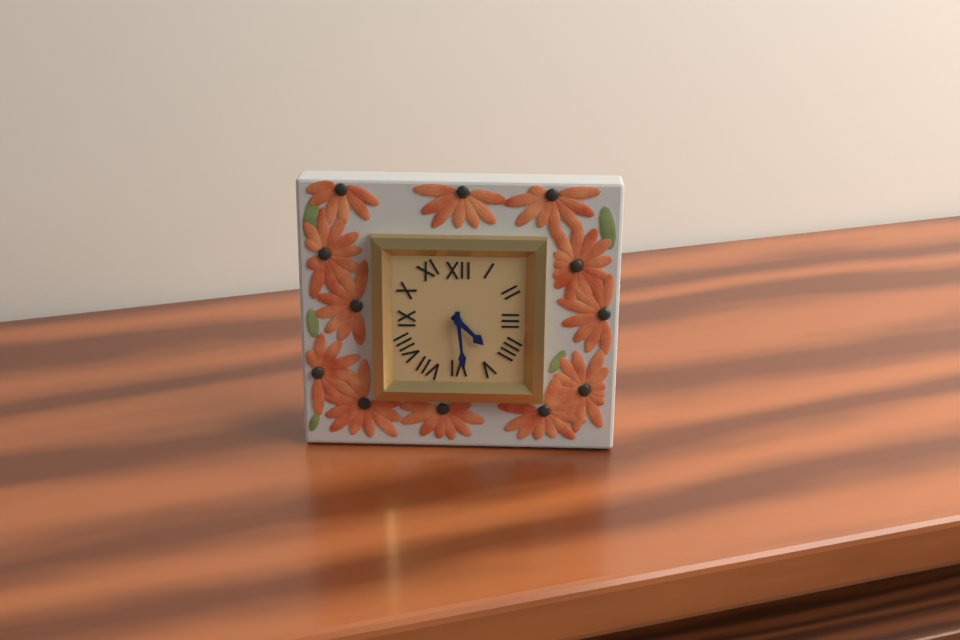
4:29
